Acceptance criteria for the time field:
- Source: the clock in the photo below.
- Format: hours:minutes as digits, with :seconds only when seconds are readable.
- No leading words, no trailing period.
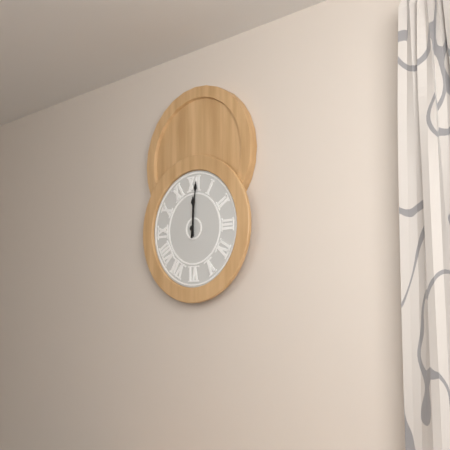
12:01
